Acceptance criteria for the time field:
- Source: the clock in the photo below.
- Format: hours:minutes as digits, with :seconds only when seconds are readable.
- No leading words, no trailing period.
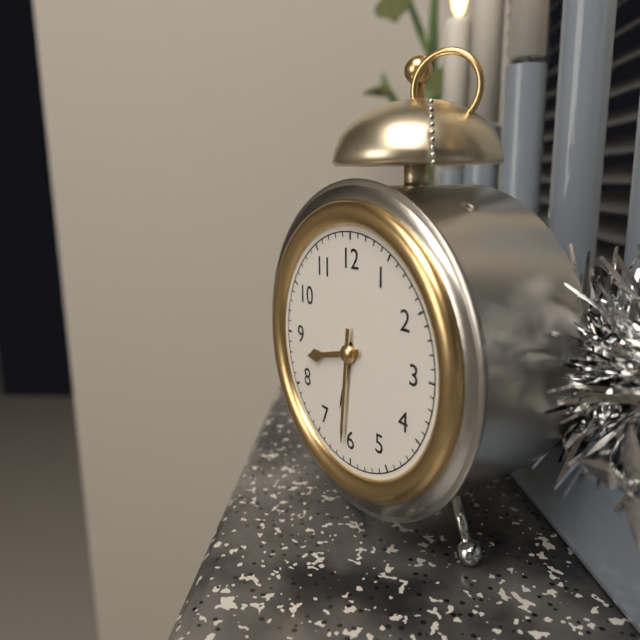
8:31
